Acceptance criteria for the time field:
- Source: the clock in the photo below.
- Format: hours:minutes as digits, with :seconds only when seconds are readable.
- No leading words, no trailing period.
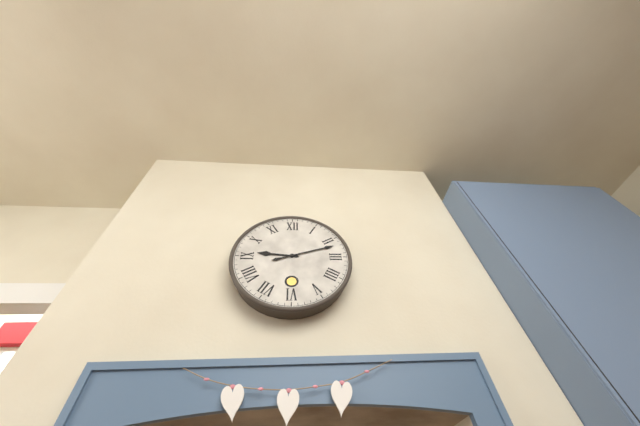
9:12
